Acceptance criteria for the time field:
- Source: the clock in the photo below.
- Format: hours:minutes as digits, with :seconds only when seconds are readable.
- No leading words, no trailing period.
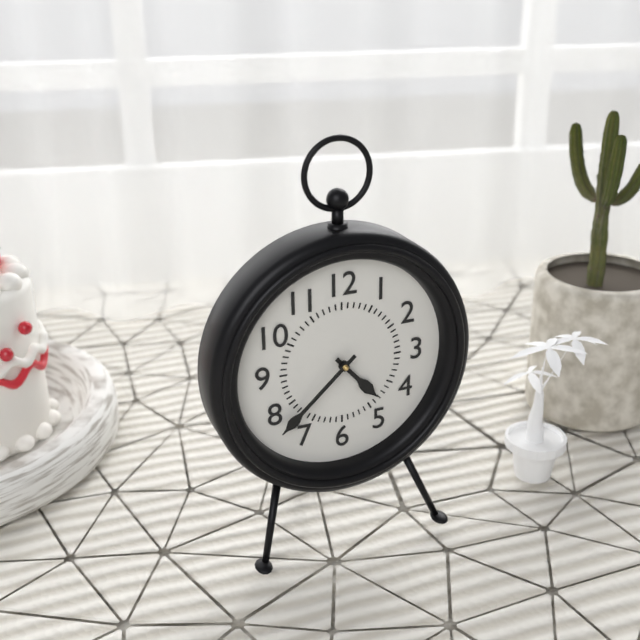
4:38
